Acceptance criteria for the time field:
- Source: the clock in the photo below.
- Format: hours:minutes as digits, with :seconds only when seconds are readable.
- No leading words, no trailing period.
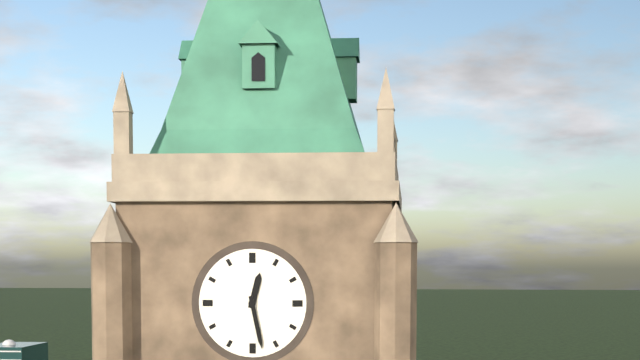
12:28
